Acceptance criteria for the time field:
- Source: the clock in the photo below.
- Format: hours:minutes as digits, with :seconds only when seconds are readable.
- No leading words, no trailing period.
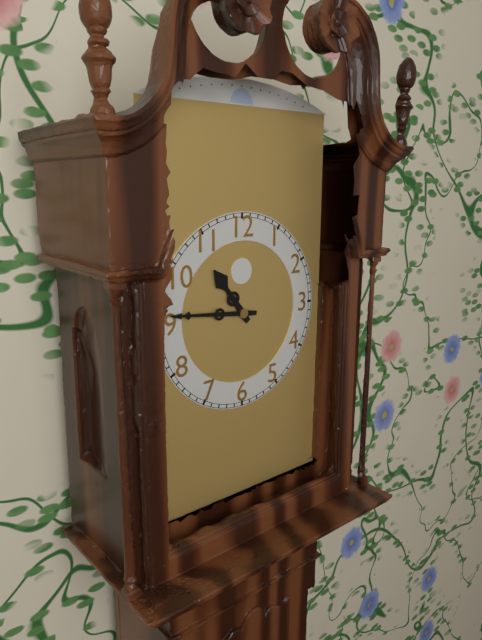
10:46
